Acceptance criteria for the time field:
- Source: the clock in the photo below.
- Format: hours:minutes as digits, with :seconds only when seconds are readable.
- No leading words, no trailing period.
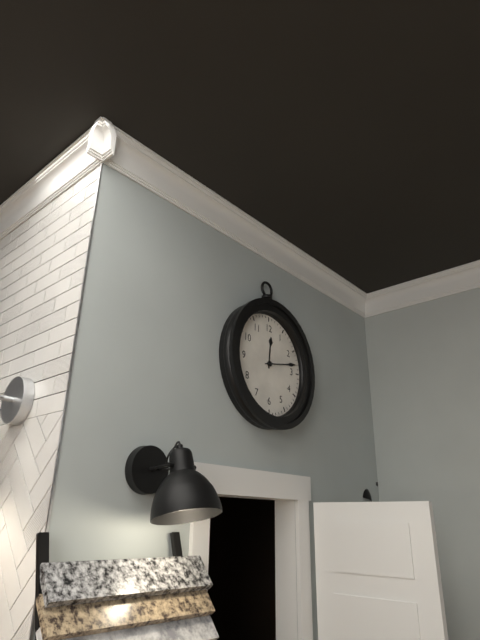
12:13
